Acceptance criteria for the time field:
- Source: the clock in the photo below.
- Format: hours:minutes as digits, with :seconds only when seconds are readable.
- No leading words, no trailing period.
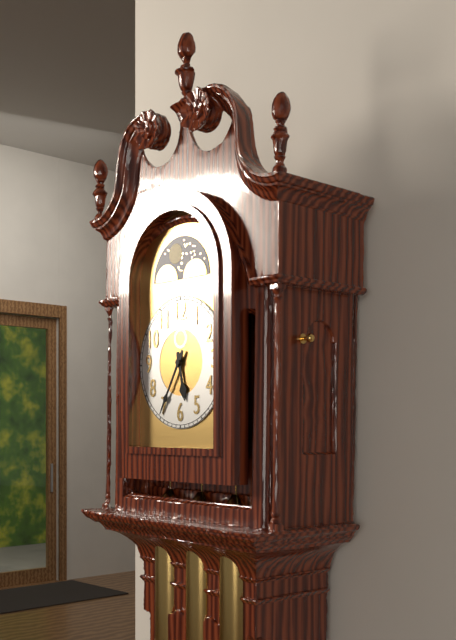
5:35
